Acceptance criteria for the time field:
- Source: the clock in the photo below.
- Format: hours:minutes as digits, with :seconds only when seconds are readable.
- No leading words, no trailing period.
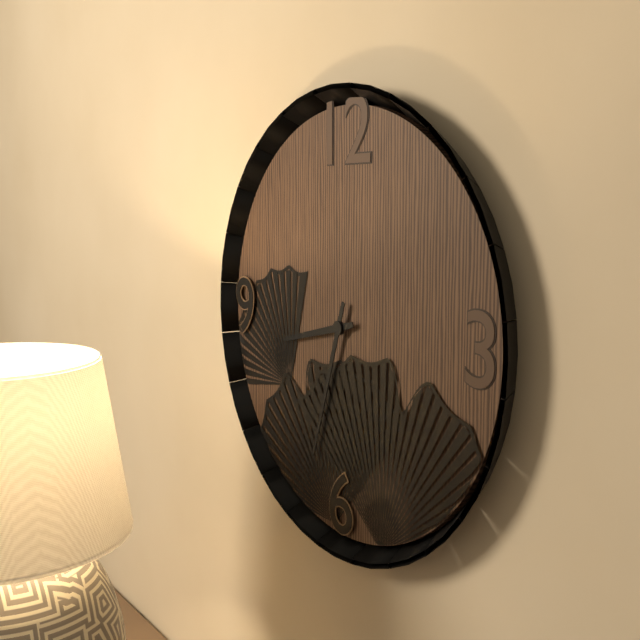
8:33
